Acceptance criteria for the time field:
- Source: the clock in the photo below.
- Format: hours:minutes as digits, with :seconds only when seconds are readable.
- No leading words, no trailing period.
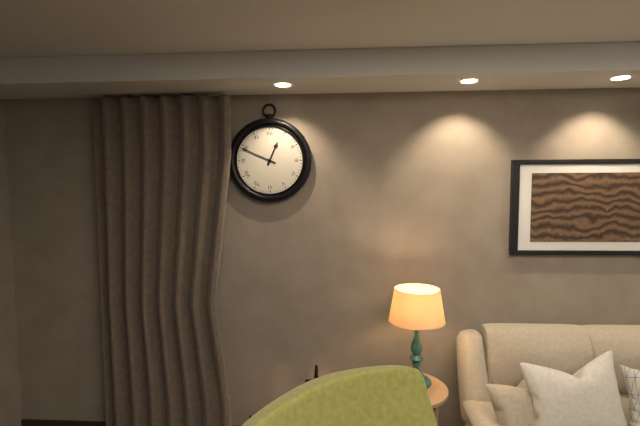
12:49
